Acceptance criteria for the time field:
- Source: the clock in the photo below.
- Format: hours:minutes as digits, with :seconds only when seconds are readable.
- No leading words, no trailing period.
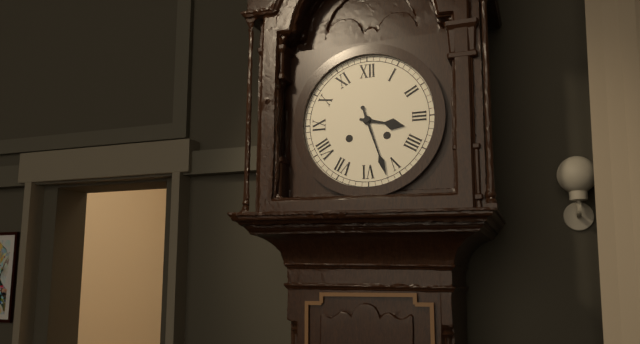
3:27
